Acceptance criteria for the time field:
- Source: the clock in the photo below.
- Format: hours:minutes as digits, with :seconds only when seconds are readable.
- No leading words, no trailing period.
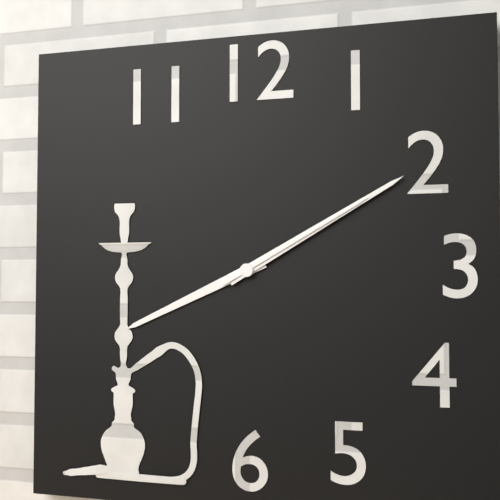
8:10:10
